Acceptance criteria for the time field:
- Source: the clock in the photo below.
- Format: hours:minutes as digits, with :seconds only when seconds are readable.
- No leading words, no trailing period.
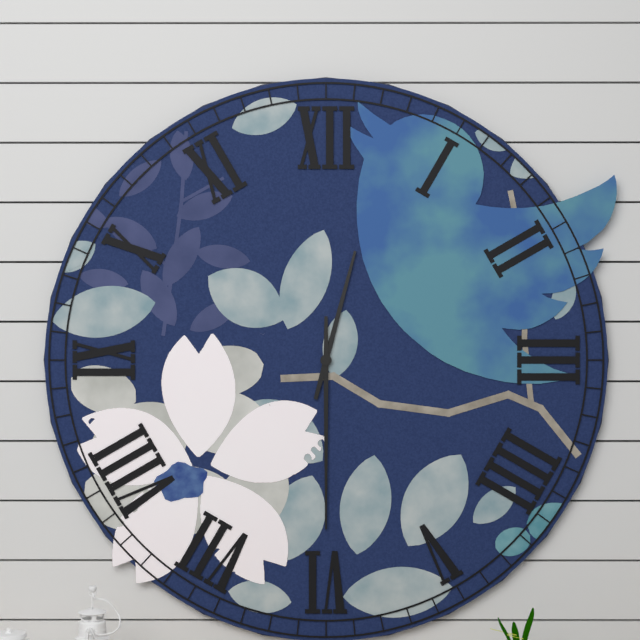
12:30
